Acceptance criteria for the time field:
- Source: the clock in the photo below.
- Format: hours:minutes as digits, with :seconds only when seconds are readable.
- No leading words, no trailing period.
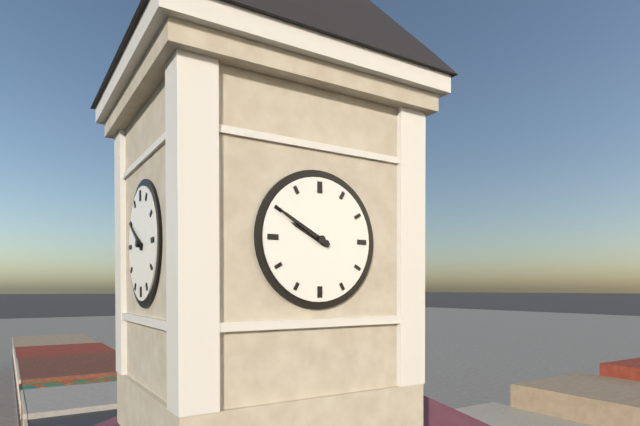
9:50
